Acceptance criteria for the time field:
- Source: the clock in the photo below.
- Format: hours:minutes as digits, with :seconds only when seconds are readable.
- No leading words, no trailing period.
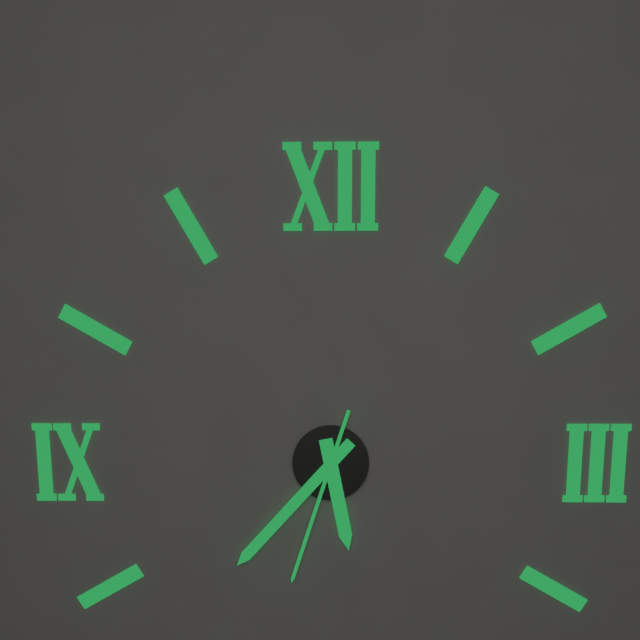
5:37:33
